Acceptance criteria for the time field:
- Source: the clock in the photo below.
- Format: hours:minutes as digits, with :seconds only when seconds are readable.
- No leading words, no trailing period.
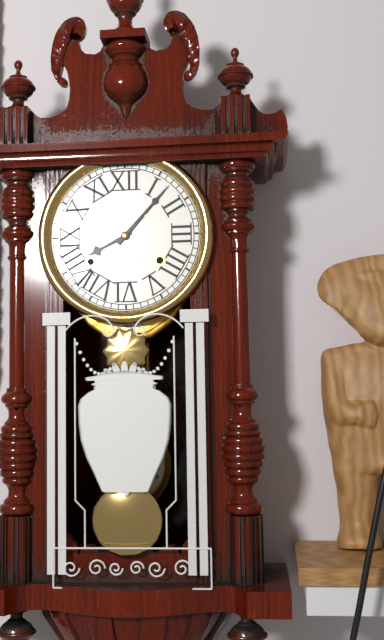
8:07
